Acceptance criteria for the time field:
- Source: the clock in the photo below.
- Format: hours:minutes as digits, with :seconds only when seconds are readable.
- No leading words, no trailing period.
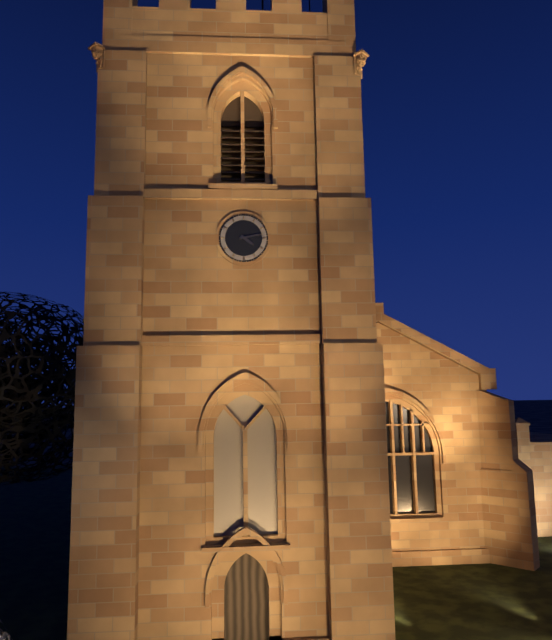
4:13
